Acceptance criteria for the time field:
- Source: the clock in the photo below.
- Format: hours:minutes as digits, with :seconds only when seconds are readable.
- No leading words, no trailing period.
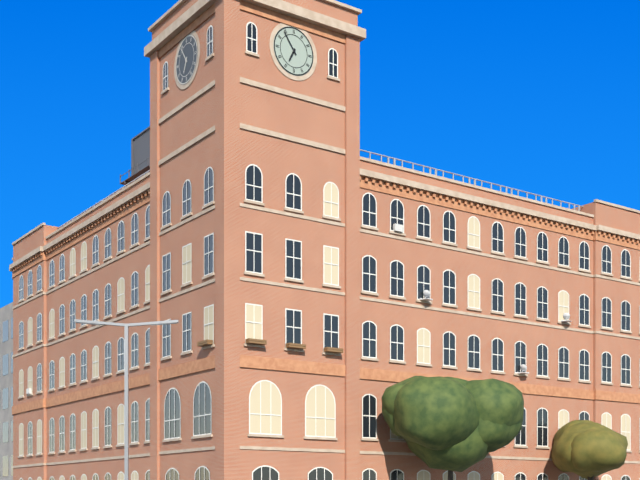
6:54
